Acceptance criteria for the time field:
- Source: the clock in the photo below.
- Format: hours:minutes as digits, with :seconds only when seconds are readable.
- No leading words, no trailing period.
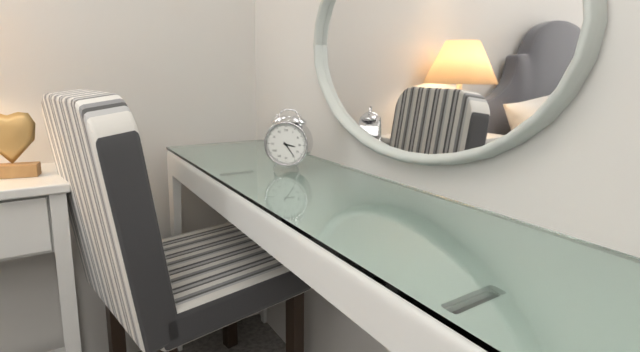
3:24
